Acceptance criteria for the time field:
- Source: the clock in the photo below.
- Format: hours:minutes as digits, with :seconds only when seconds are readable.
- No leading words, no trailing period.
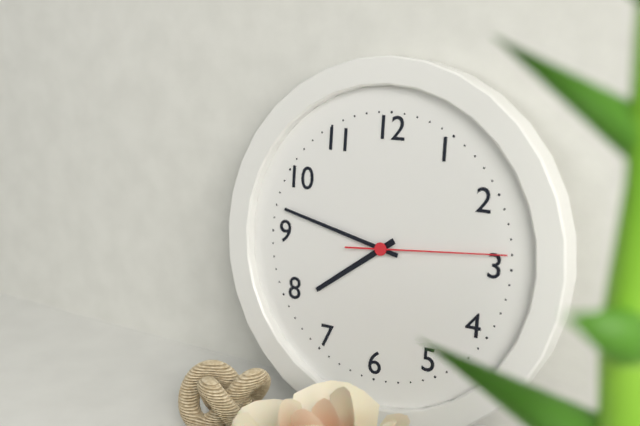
7:47:14
